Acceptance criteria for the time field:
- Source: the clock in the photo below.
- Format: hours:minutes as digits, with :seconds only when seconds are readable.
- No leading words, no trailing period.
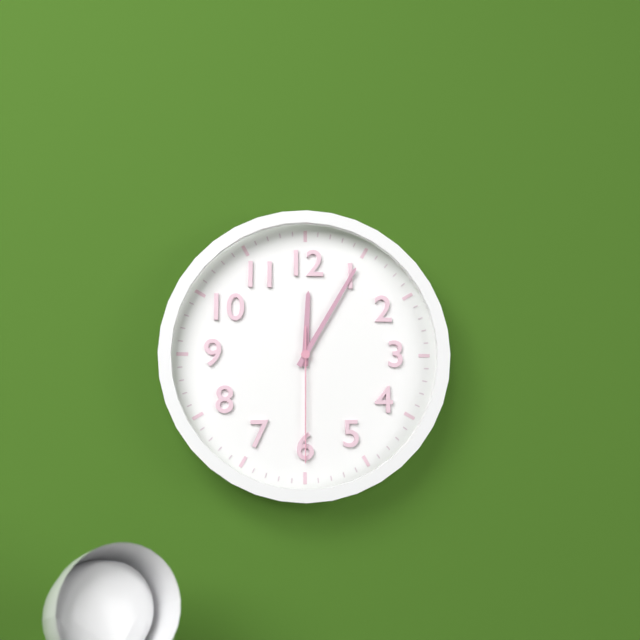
12:05:30
